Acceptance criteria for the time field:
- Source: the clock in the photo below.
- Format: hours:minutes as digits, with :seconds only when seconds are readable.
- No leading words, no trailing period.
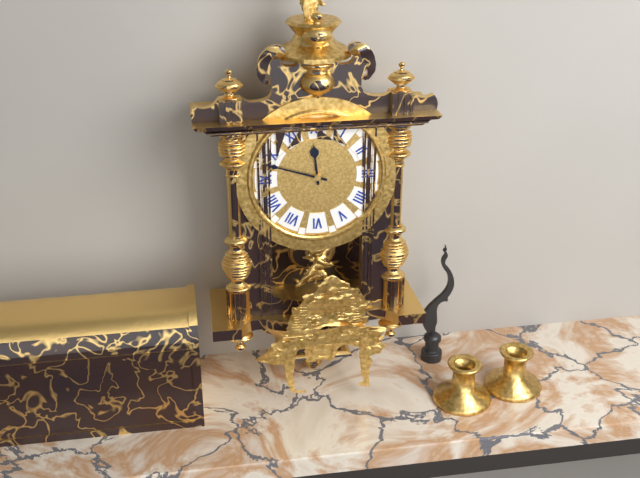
11:48
